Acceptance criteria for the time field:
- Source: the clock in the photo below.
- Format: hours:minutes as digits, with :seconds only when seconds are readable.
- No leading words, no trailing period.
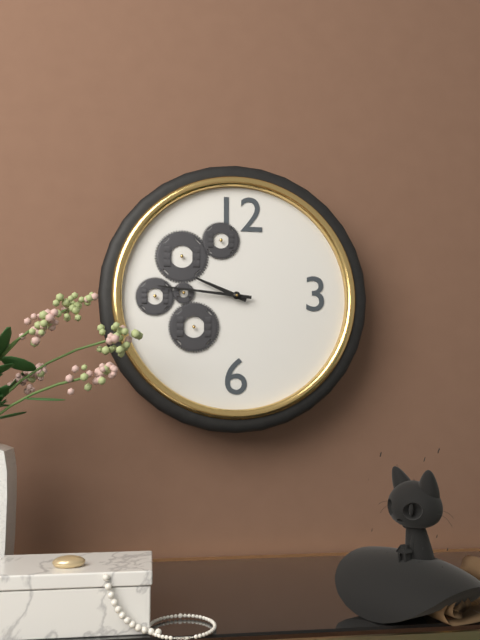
9:46
